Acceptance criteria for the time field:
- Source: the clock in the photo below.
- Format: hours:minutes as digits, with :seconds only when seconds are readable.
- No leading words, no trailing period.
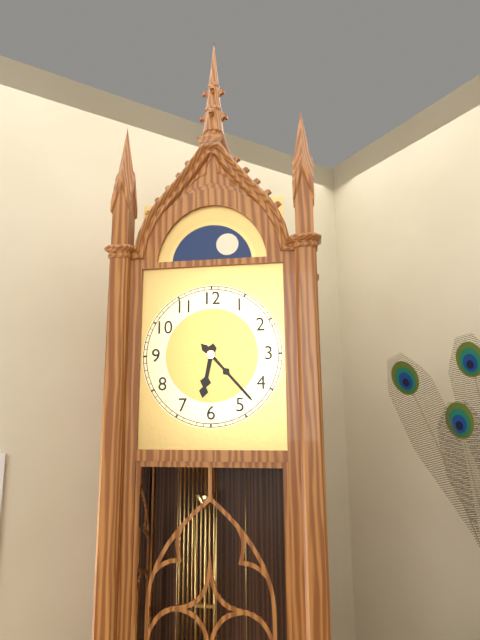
6:23
